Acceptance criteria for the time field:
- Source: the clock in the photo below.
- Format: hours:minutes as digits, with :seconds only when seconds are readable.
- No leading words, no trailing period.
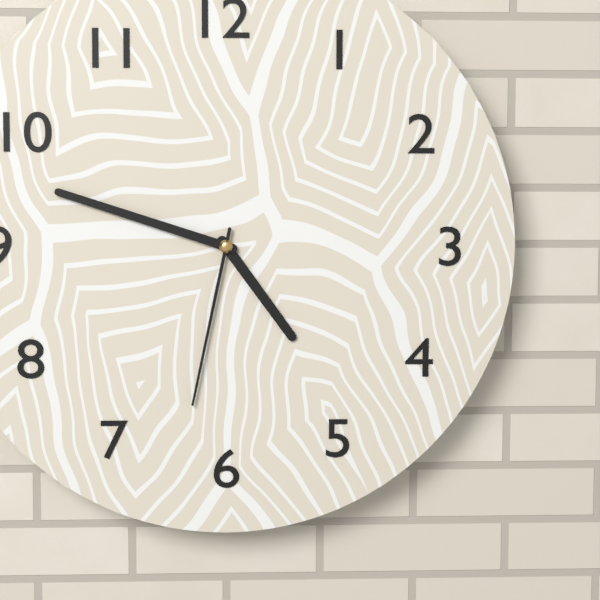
4:48:32
